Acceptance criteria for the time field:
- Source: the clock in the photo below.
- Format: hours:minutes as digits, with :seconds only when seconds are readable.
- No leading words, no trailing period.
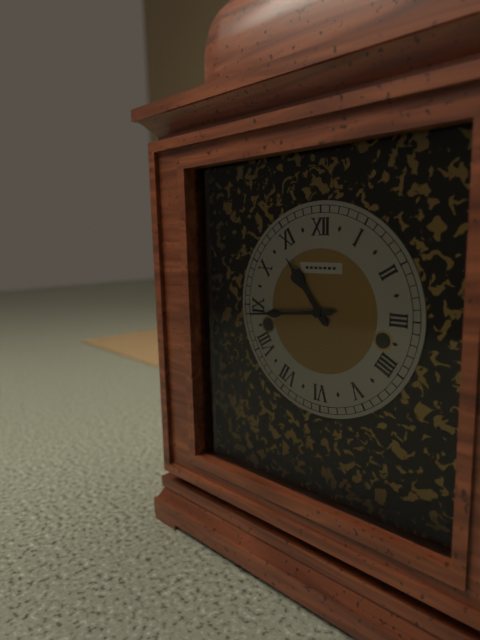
10:44
